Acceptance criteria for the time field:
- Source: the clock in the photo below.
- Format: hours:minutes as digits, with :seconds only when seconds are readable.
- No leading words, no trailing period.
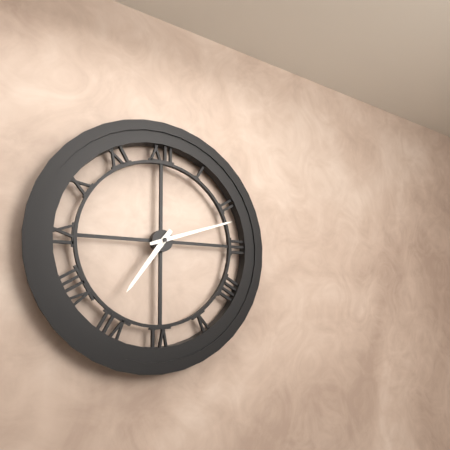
7:12
